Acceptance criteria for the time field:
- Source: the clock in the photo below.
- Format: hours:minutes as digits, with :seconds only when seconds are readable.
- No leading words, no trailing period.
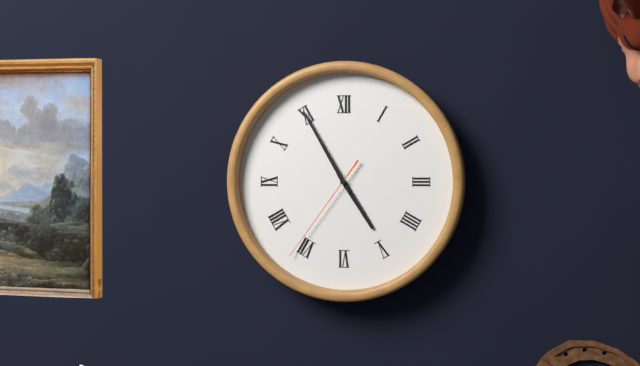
4:55:36
